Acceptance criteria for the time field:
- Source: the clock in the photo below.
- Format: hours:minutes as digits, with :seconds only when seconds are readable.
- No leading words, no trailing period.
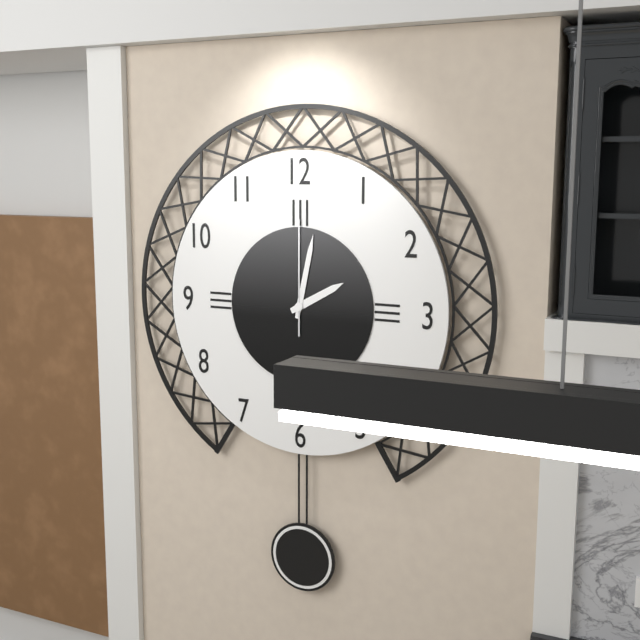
2:02:00
